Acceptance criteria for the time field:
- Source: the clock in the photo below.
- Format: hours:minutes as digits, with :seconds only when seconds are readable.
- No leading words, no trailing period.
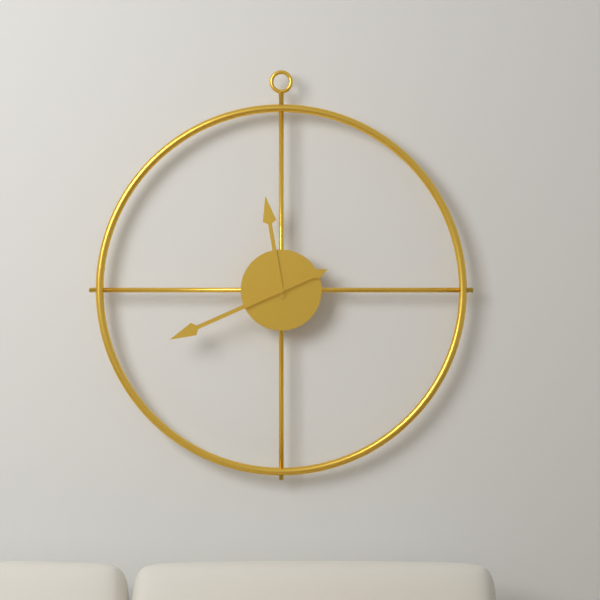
11:41
